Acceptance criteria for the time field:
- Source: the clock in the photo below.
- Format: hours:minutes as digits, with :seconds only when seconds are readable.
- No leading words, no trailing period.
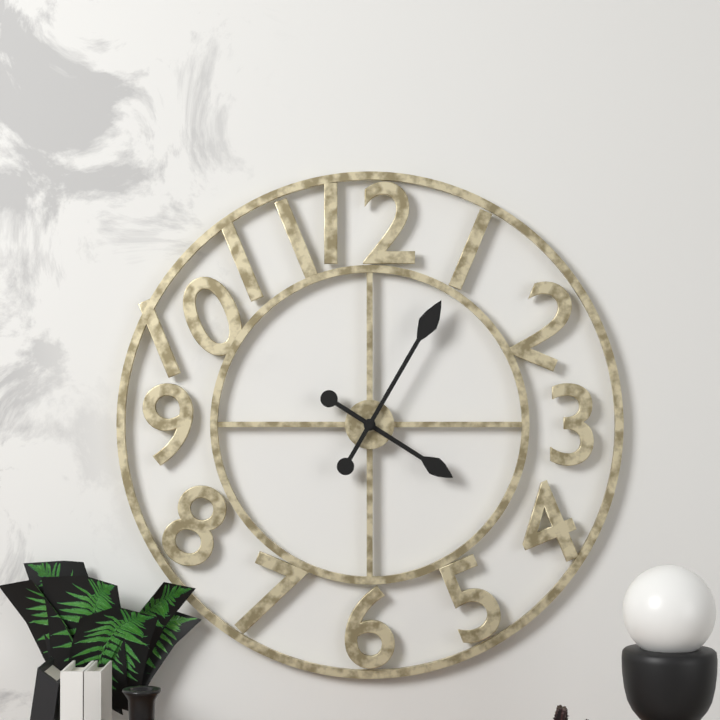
4:05
